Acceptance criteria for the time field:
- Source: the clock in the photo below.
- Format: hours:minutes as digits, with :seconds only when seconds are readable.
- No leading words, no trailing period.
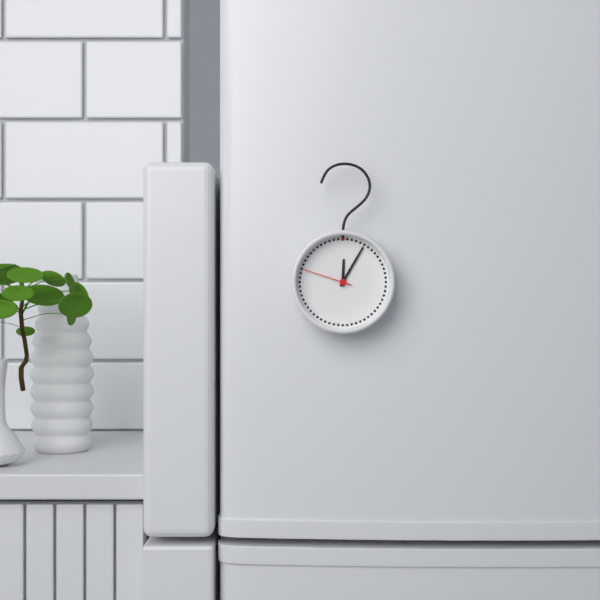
12:05:48
